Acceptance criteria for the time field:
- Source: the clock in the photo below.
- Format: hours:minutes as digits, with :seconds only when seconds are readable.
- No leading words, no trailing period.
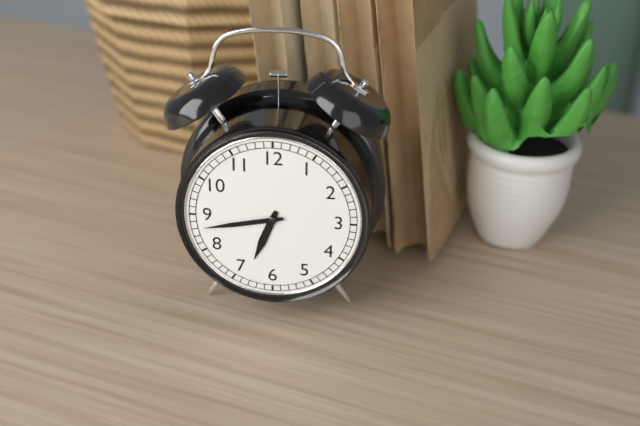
6:43
